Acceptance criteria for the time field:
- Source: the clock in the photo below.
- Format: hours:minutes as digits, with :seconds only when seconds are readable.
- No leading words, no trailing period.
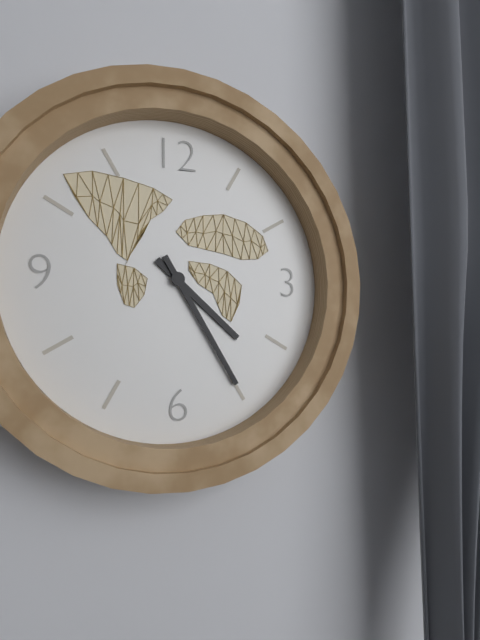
4:25
